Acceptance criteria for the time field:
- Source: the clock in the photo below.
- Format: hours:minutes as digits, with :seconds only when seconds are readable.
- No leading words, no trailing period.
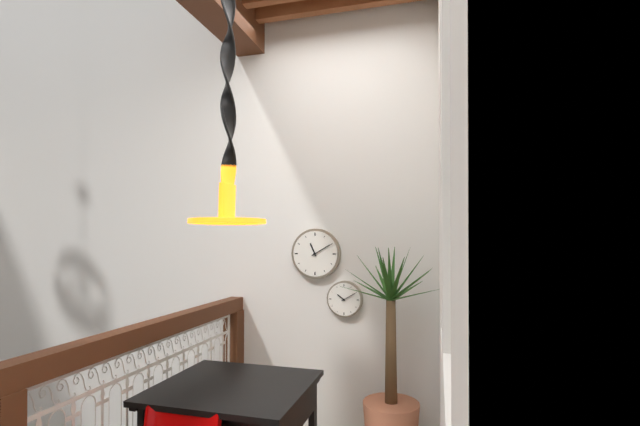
11:10
